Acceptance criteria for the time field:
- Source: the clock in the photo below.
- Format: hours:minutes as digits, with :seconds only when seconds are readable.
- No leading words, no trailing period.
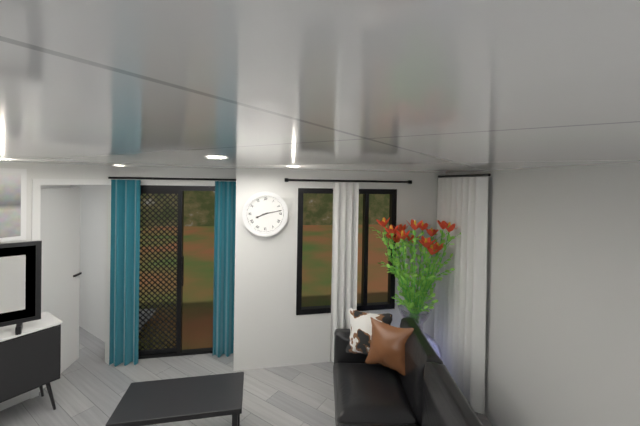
8:13
